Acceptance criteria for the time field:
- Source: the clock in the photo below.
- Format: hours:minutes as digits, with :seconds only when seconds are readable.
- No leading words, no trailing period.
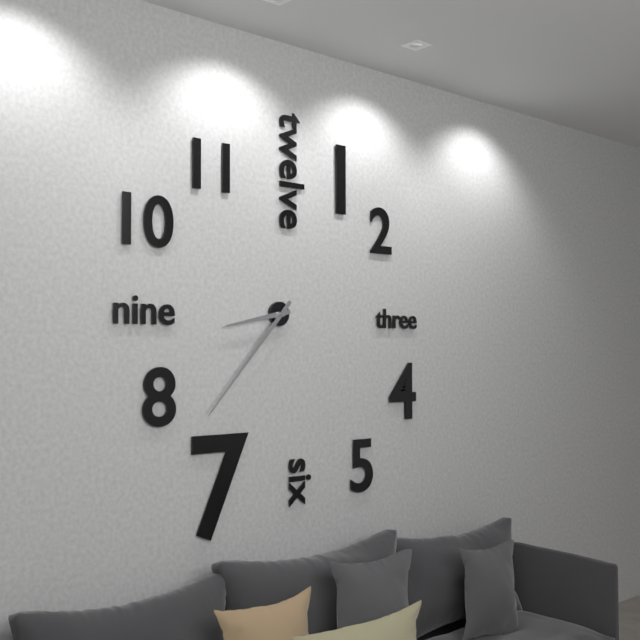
8:37
